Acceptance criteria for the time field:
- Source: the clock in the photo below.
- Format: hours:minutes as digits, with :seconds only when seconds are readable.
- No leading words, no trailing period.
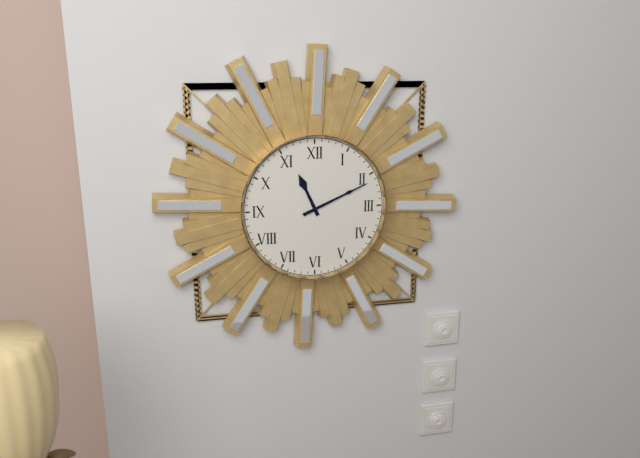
11:11
